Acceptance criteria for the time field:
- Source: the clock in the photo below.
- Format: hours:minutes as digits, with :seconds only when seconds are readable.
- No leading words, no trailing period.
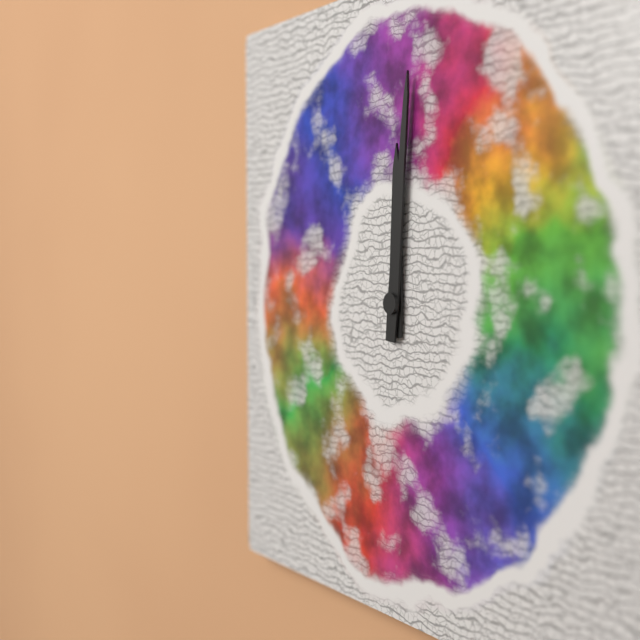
12:01
